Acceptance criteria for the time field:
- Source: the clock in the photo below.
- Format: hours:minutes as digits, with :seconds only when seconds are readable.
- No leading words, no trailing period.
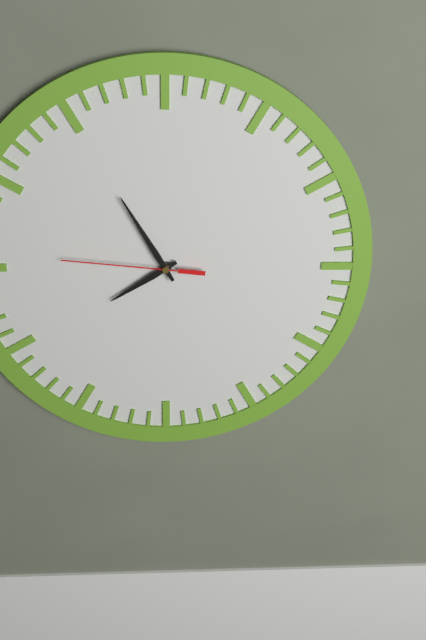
7:55:46
